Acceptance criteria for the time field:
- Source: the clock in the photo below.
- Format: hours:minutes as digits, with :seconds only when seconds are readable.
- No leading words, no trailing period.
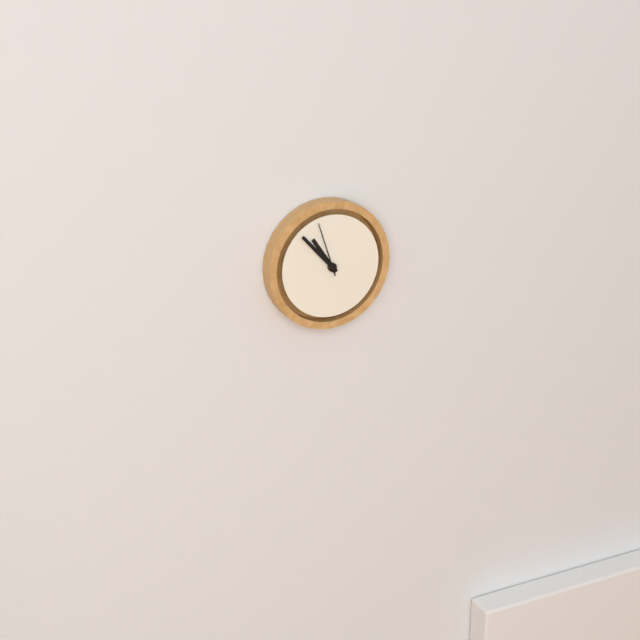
10:53:57
